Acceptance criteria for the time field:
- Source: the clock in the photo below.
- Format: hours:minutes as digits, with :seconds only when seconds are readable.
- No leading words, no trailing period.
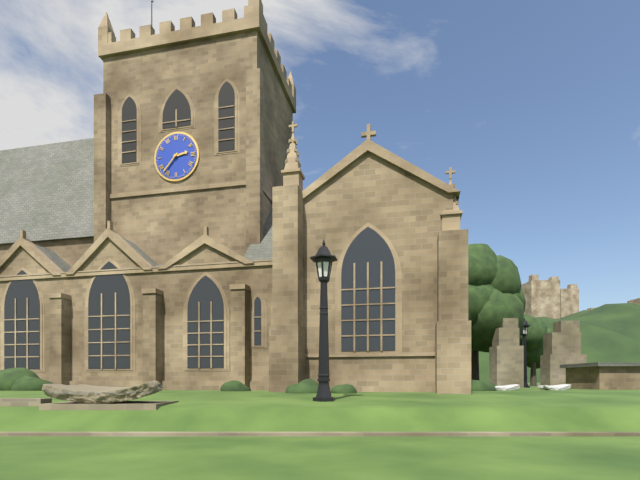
2:37
